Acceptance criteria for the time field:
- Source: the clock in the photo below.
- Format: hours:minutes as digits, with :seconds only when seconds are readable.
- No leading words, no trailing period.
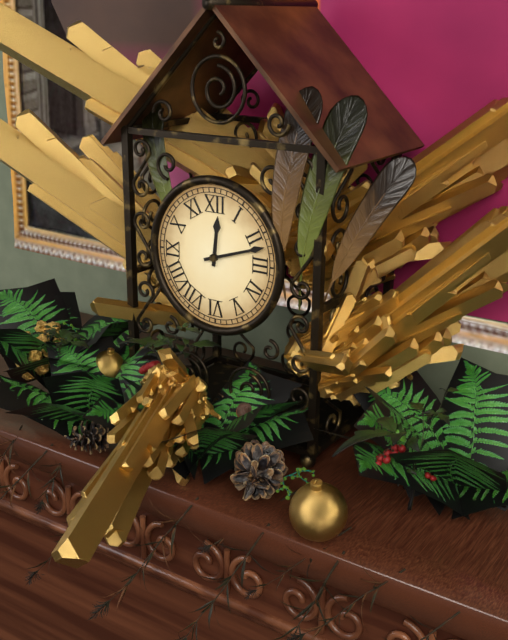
12:12
